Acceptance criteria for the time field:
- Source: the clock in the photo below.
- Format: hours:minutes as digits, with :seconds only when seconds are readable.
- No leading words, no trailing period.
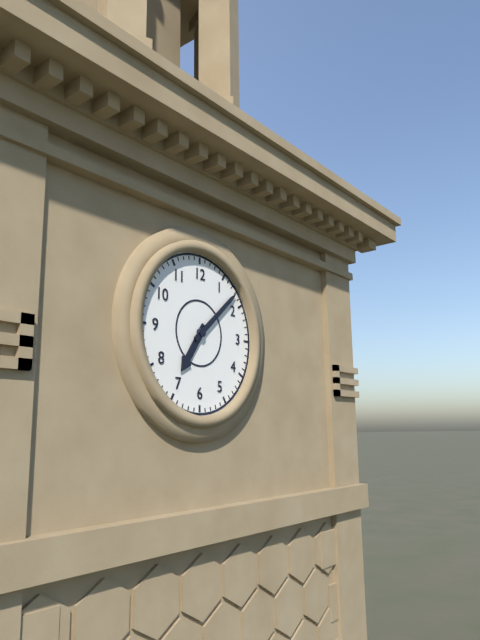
7:08
